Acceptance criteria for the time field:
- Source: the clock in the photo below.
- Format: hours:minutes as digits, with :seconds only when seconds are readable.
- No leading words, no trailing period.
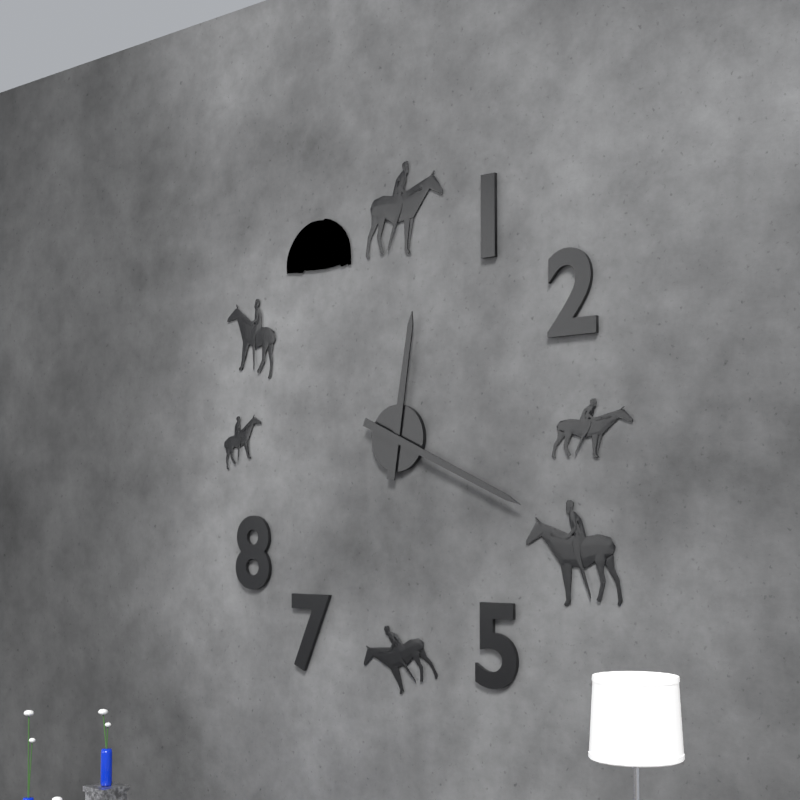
12:19
